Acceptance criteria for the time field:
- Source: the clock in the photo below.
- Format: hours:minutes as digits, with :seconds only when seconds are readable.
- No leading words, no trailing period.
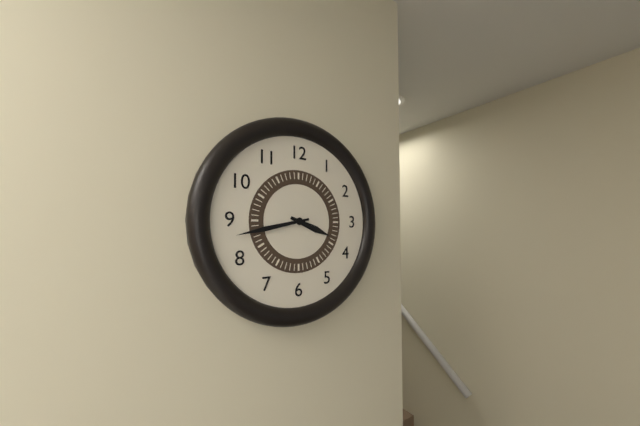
3:43
